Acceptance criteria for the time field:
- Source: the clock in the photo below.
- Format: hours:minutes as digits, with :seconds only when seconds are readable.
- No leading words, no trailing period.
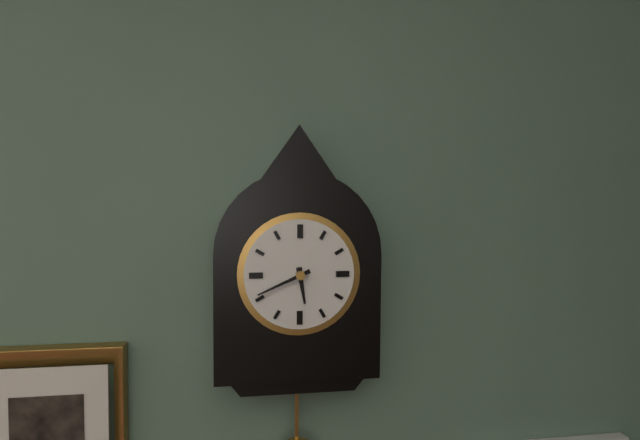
5:41
